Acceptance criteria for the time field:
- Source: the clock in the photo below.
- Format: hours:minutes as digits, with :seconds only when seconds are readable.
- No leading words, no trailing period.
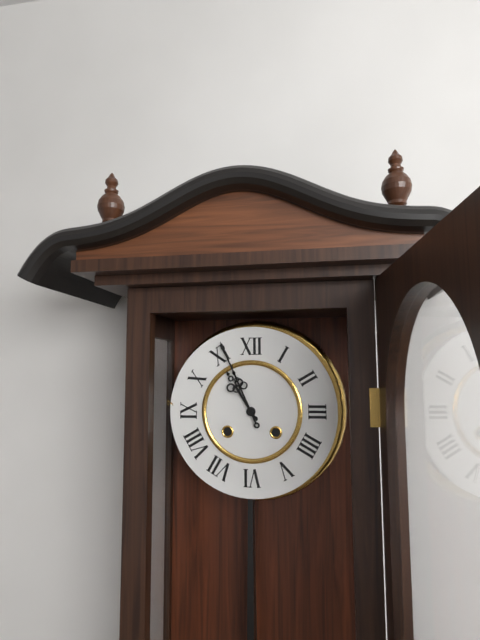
10:56
